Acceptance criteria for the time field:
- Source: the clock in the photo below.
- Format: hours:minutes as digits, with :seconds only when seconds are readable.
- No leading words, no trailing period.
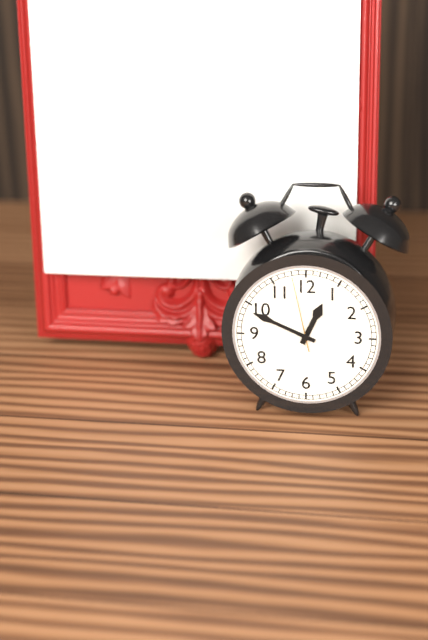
12:49:58
